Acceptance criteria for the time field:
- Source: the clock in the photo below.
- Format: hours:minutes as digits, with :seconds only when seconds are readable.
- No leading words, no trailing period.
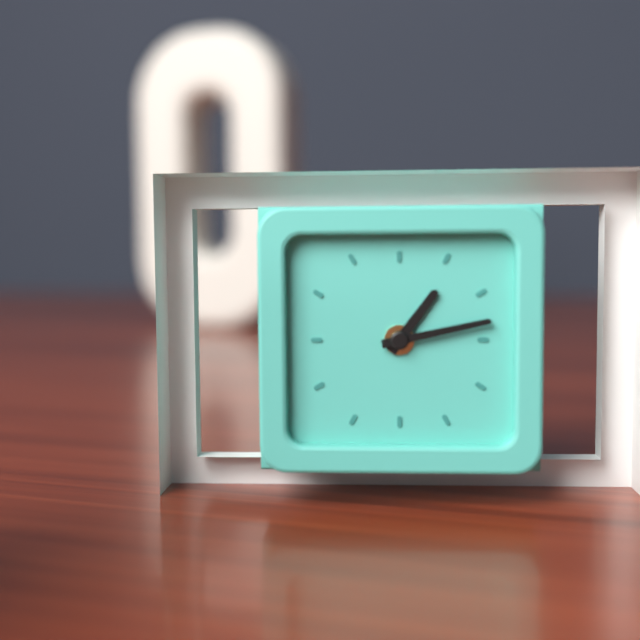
1:13
